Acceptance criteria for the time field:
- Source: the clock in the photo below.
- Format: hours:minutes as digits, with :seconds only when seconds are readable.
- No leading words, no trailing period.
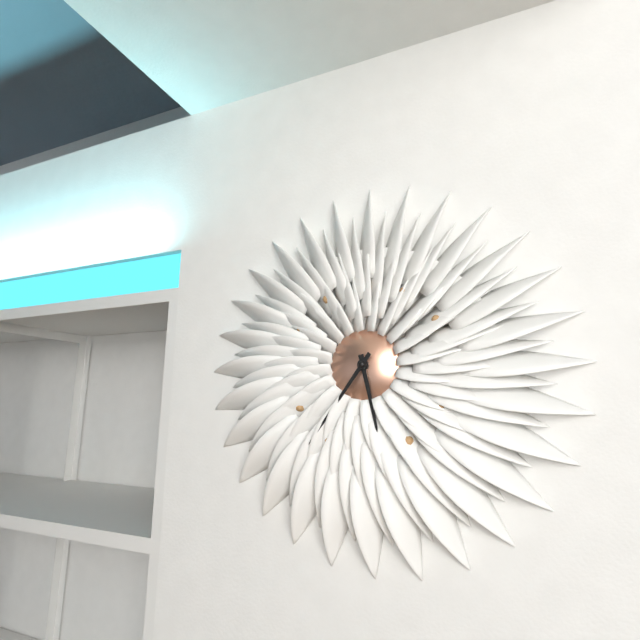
5:36
